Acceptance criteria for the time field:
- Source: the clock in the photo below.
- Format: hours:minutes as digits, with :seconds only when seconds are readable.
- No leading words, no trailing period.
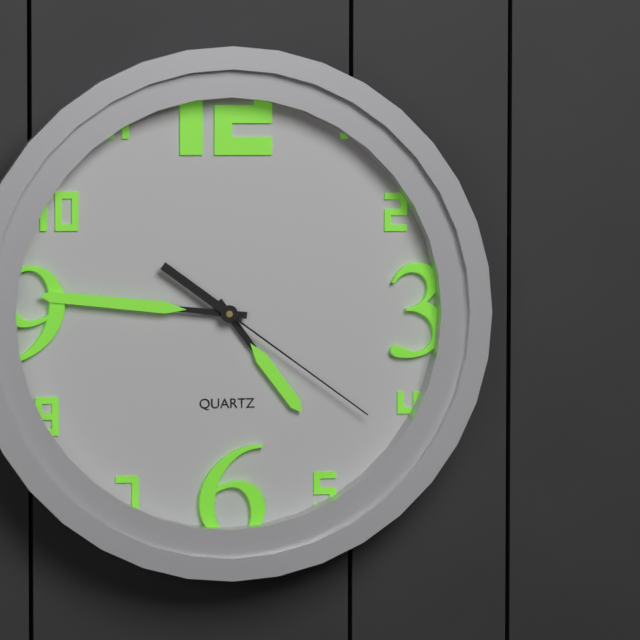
4:46:21
